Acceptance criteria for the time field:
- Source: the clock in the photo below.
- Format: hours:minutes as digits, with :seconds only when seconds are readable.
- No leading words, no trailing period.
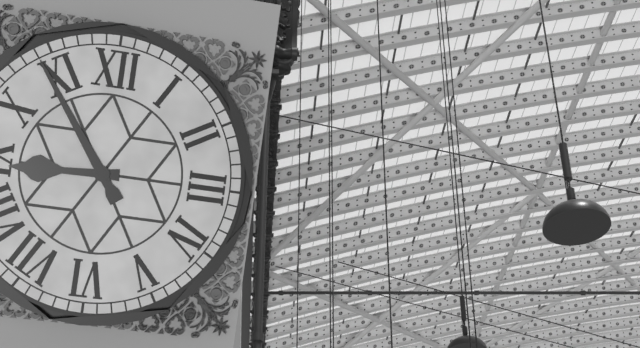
8:54
